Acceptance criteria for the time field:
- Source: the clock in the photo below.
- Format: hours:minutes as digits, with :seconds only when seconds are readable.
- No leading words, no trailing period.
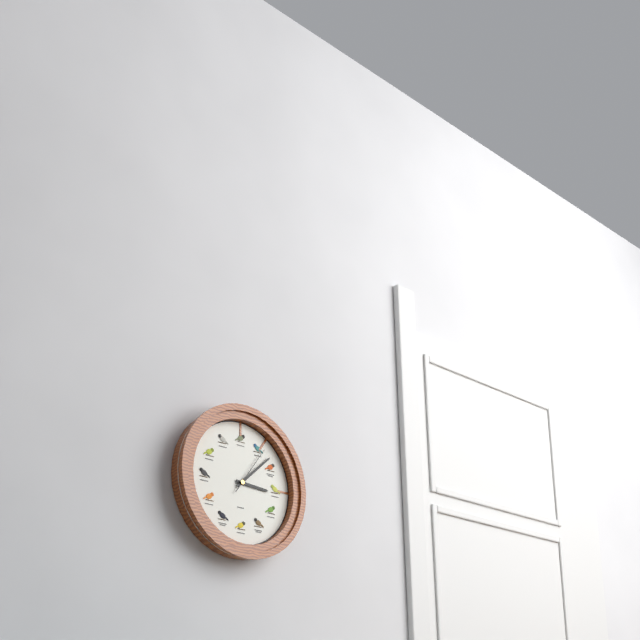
3:08
